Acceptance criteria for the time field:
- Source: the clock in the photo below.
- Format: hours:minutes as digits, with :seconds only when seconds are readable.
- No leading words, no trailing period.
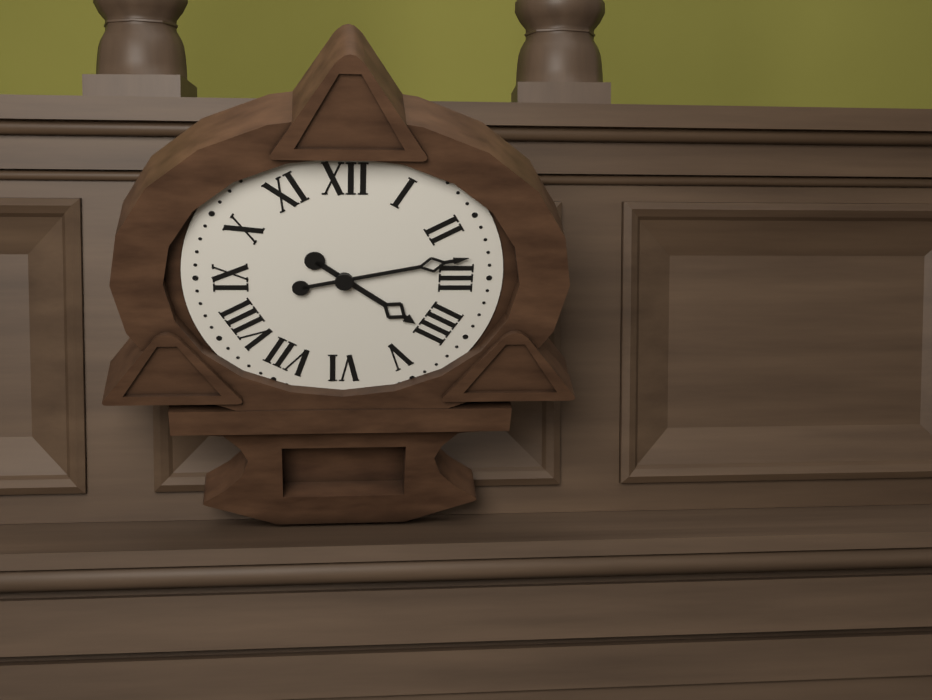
4:13
